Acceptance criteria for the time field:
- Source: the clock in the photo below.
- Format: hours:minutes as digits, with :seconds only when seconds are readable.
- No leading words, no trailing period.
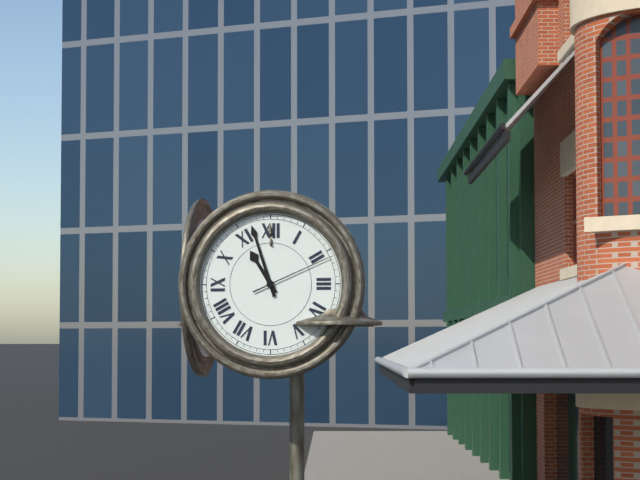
10:57:11
